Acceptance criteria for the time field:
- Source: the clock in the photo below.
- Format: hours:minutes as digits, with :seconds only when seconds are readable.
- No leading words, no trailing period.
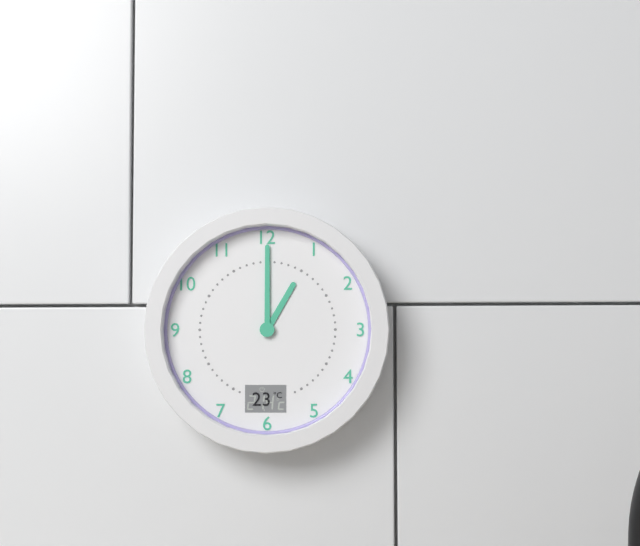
1:00
